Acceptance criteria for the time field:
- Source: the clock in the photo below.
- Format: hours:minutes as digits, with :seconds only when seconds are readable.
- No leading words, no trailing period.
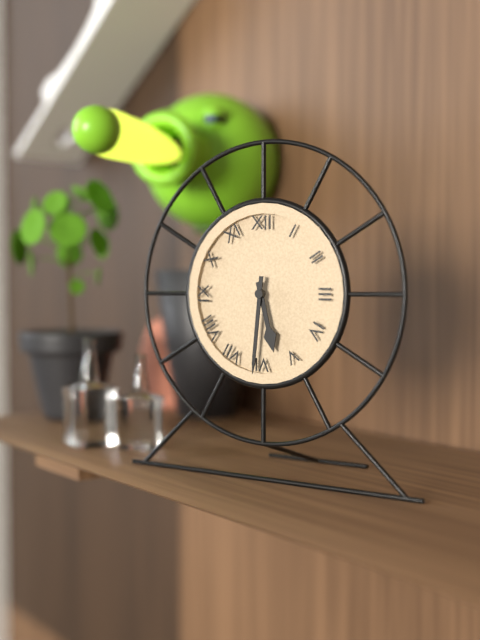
5:31
